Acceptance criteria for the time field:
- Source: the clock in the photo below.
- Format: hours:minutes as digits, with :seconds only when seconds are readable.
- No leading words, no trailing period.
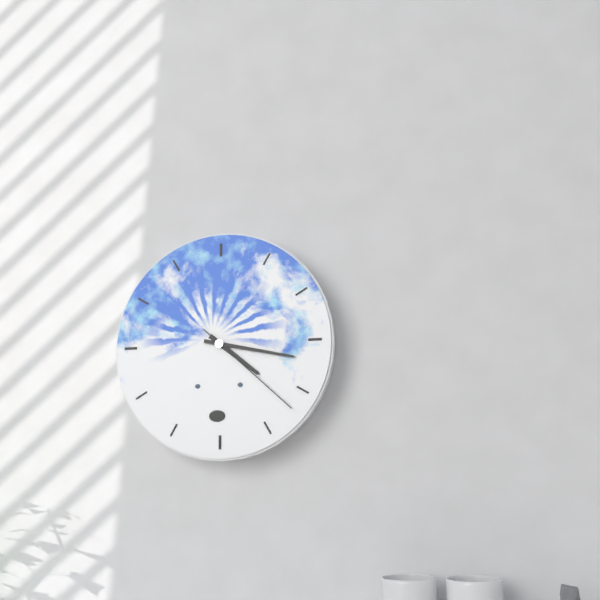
4:17:22
